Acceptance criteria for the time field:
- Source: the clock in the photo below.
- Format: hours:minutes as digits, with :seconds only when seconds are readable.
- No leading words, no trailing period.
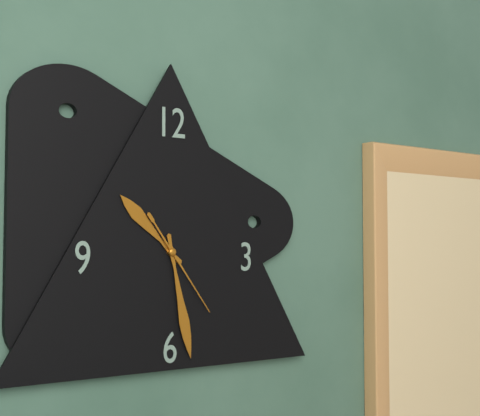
10:28:24
